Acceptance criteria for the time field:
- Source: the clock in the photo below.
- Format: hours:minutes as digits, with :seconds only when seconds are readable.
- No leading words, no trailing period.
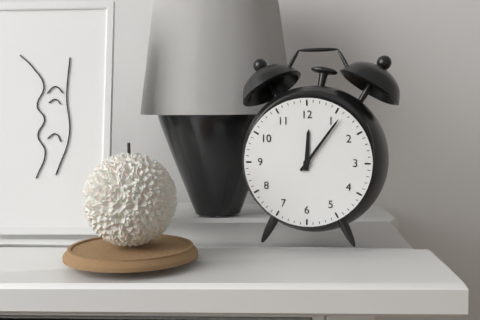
12:06
